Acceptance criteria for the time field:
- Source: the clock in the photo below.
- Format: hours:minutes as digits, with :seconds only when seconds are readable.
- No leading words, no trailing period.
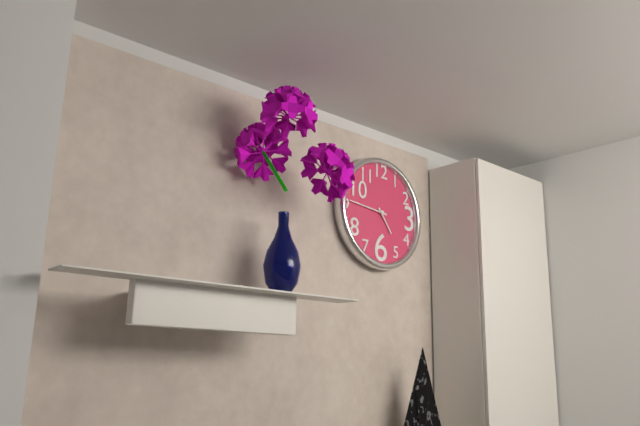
4:46
